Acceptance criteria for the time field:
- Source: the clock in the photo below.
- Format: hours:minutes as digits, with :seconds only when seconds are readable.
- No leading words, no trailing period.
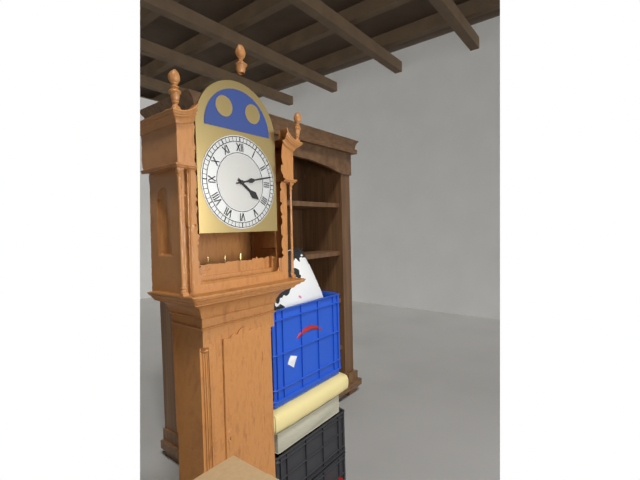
4:13
